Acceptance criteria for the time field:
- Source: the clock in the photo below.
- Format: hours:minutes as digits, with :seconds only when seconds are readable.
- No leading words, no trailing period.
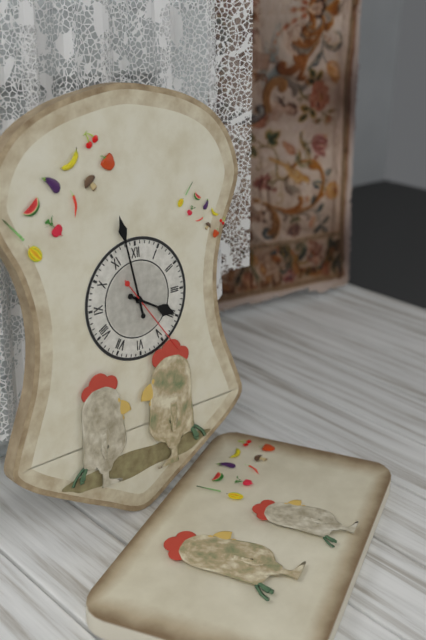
3:58:24
